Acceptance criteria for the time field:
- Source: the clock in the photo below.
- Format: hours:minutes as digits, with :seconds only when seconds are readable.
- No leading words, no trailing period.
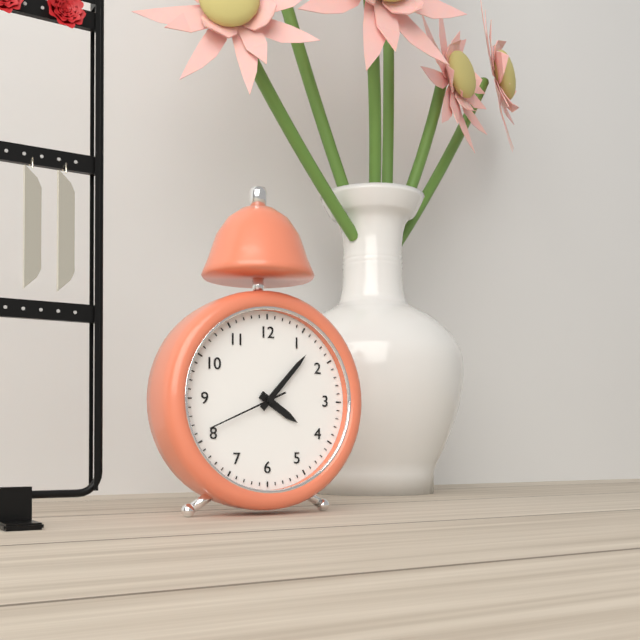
4:07:41
